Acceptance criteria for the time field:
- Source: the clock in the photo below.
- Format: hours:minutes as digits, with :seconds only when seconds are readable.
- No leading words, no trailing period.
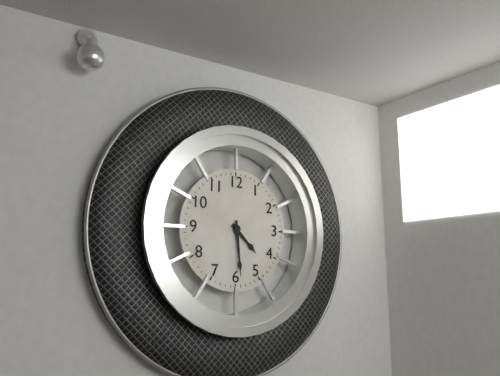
4:29
